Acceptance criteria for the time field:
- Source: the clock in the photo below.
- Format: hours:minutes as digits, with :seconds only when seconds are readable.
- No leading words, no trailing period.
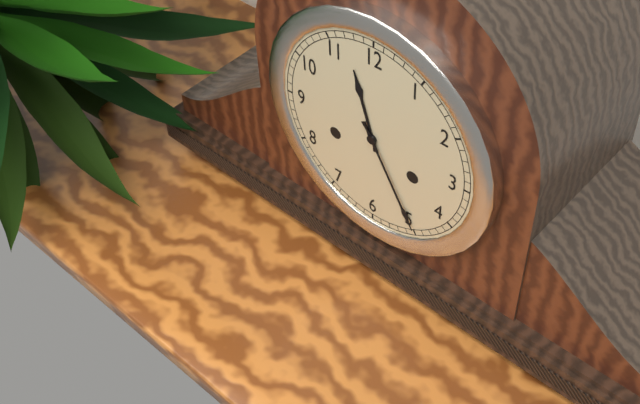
11:25
